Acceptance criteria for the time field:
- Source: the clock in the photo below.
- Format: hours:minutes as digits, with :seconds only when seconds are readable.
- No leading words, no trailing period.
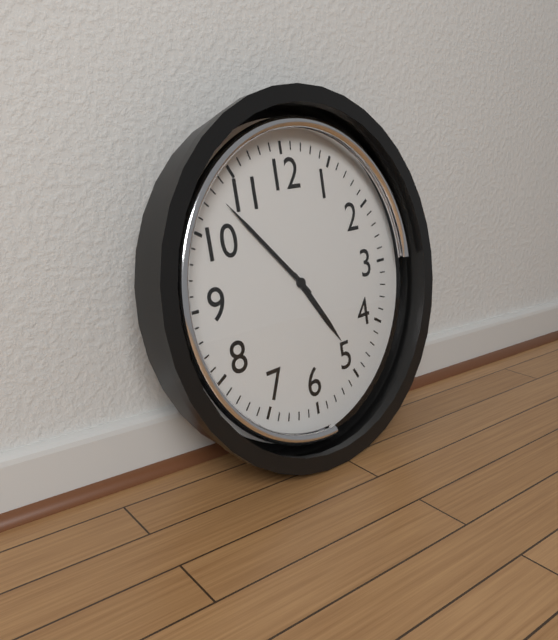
4:53
